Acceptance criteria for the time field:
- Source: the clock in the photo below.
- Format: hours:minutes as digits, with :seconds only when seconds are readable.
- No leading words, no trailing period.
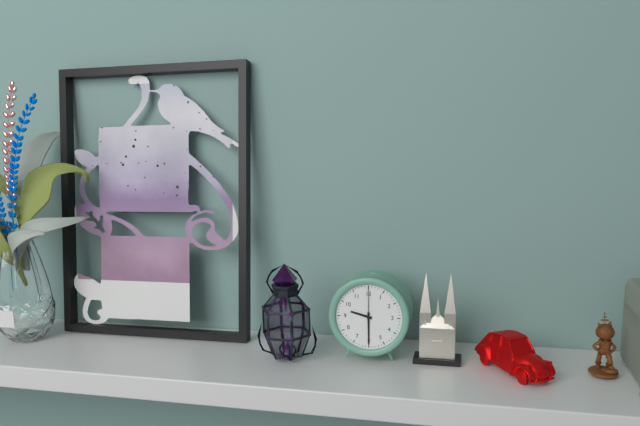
9:30
